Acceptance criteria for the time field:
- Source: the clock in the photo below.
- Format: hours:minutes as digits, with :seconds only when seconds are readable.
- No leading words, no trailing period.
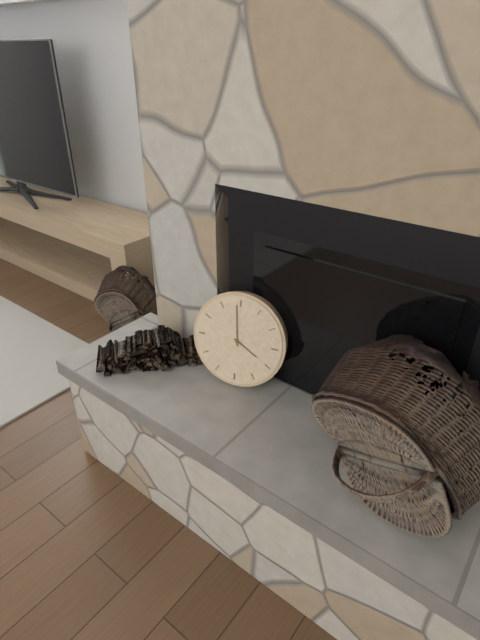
3:59
